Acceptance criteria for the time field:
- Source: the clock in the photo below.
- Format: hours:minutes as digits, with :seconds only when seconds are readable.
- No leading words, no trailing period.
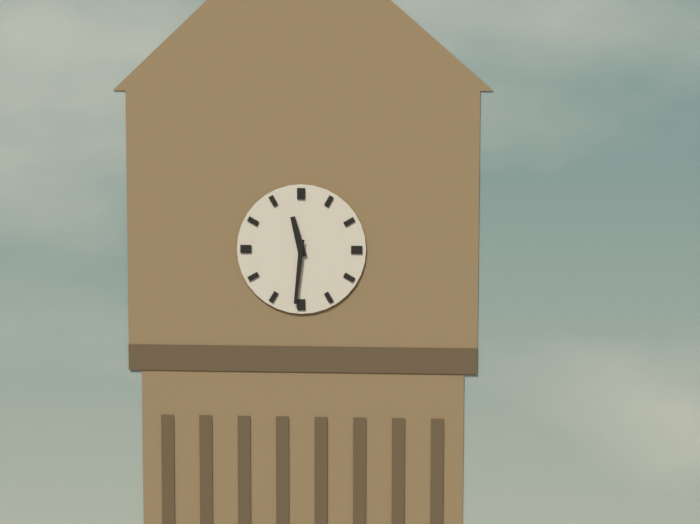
11:31
